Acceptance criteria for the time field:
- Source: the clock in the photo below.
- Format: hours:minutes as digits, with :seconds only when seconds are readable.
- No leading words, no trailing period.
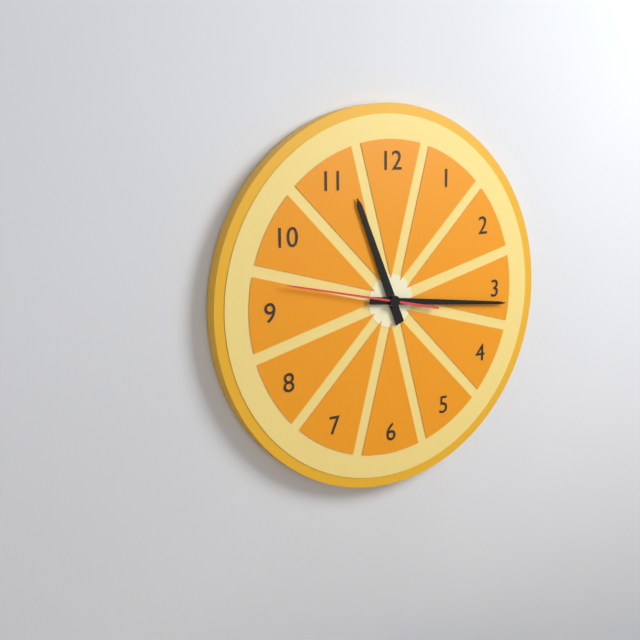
11:16:47
